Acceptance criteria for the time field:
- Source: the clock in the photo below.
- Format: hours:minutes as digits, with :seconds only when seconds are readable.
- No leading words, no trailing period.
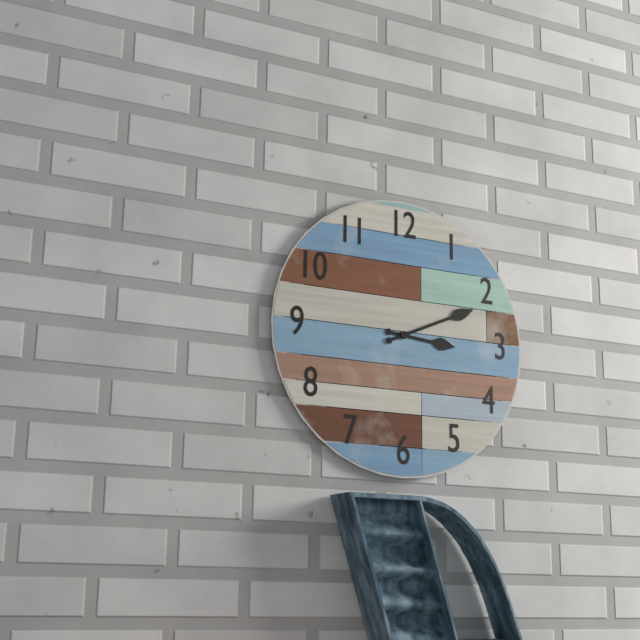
3:11
